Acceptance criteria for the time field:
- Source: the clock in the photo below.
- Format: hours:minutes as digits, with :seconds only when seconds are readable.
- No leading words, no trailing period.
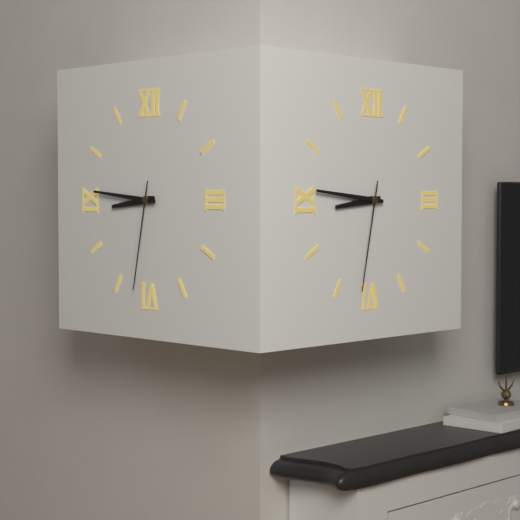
8:46:32
